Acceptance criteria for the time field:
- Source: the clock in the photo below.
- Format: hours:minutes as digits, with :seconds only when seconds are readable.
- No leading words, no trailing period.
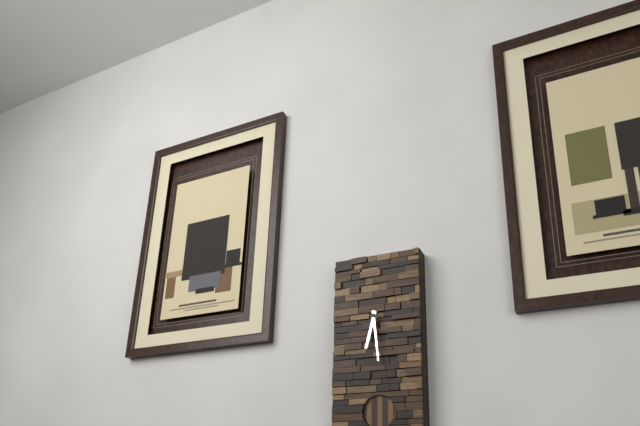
6:29
